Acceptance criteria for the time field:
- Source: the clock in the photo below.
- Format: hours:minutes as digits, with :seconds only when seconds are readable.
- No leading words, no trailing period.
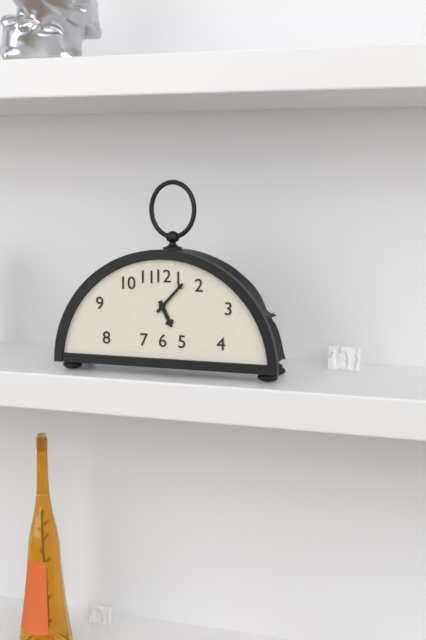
5:07
